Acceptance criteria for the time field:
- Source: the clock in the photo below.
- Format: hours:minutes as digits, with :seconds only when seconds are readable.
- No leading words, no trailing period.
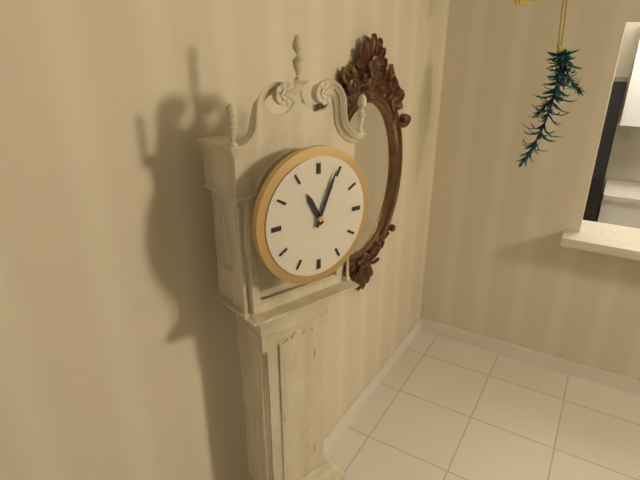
11:04
